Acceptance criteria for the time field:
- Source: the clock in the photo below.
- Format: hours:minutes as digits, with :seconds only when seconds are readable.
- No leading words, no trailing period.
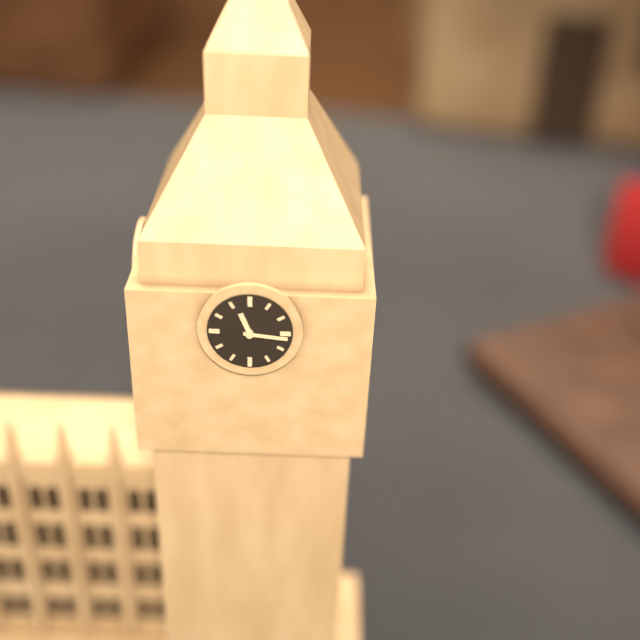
11:16
